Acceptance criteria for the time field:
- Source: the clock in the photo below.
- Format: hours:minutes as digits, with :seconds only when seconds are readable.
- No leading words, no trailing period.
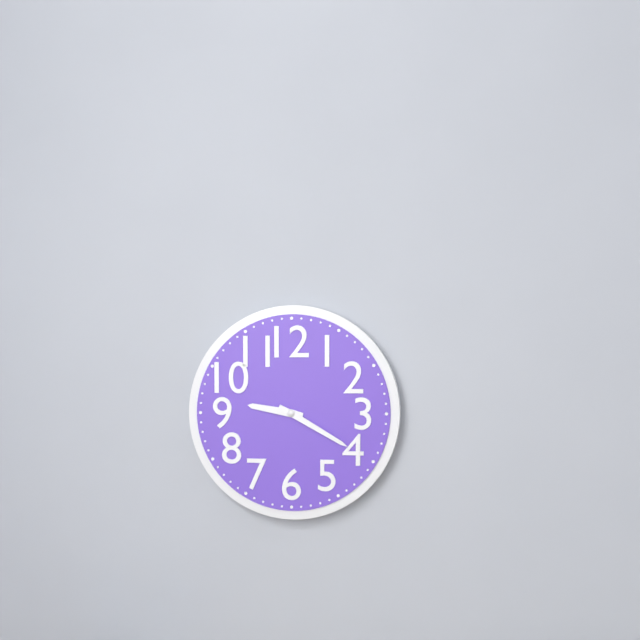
9:20
